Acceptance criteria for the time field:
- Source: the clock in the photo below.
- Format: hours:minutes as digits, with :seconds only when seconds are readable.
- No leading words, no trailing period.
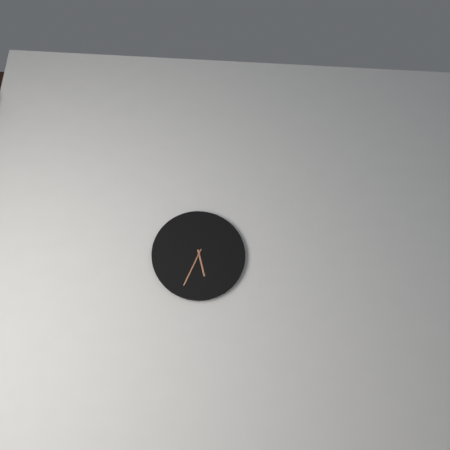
5:34
